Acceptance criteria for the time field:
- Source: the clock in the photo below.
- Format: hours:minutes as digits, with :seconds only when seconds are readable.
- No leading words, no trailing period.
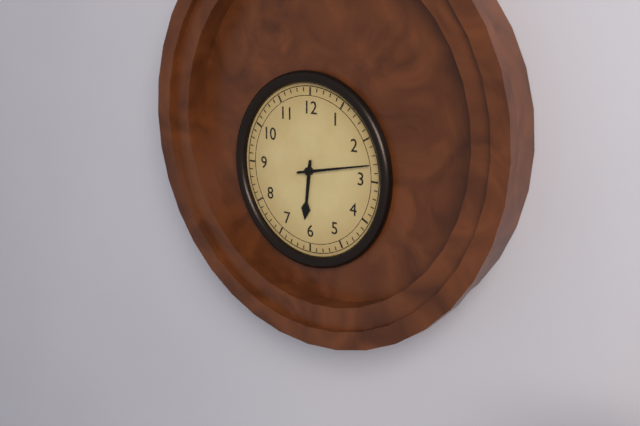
6:13
